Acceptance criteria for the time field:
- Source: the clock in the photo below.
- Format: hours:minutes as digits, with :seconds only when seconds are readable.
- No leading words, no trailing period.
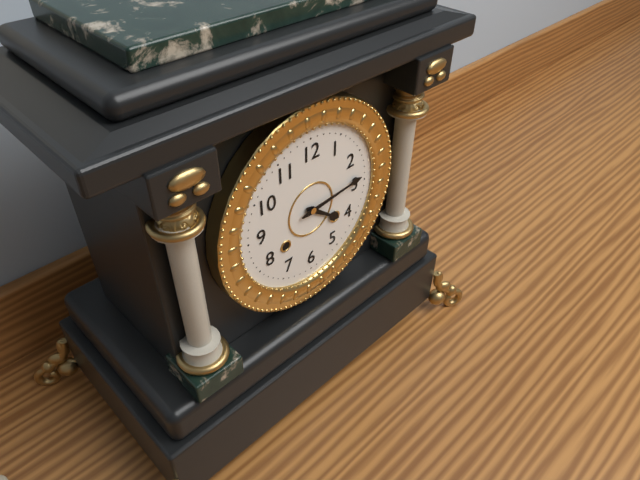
4:14
